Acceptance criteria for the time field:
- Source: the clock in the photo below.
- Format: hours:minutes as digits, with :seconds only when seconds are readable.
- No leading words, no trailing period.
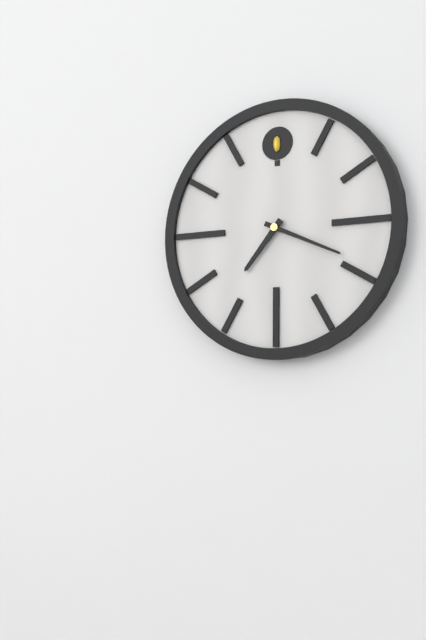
7:19
